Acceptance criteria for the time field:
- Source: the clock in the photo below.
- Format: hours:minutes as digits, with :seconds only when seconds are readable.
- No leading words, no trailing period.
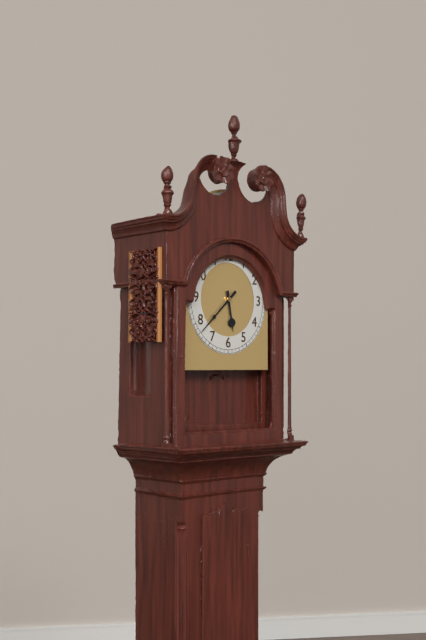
5:38
